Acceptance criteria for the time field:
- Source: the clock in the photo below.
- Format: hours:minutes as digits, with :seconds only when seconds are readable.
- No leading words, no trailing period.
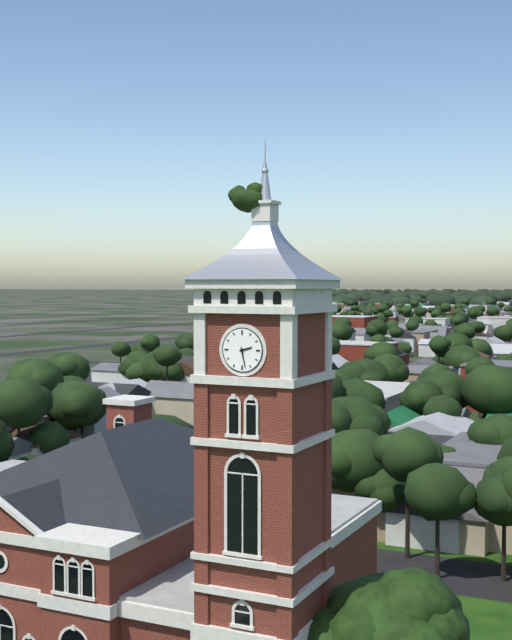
2:28
